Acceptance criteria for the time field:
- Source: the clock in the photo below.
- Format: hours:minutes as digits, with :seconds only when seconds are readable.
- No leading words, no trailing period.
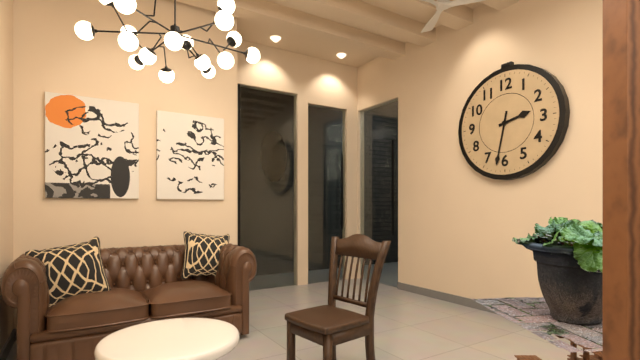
2:32
